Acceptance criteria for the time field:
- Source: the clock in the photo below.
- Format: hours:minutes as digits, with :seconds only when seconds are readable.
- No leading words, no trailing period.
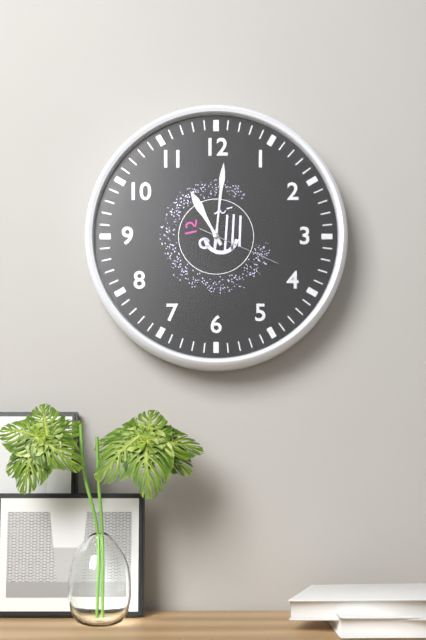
11:01:19
